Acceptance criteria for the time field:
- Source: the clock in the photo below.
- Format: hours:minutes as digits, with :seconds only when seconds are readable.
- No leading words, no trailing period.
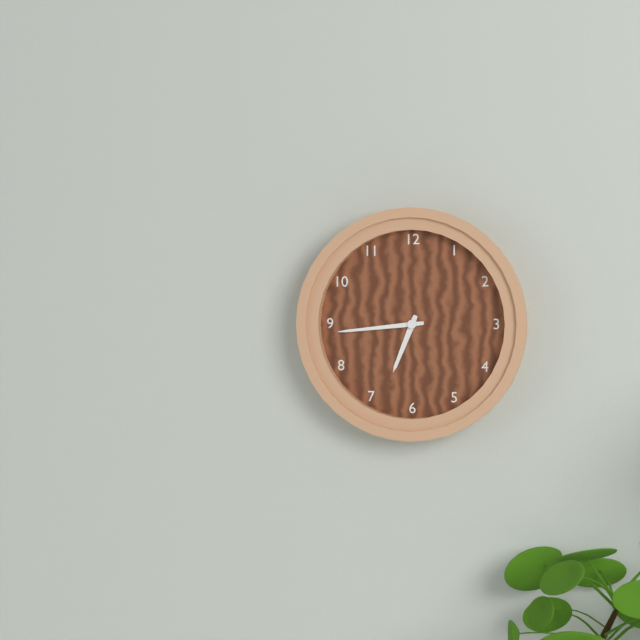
6:44
